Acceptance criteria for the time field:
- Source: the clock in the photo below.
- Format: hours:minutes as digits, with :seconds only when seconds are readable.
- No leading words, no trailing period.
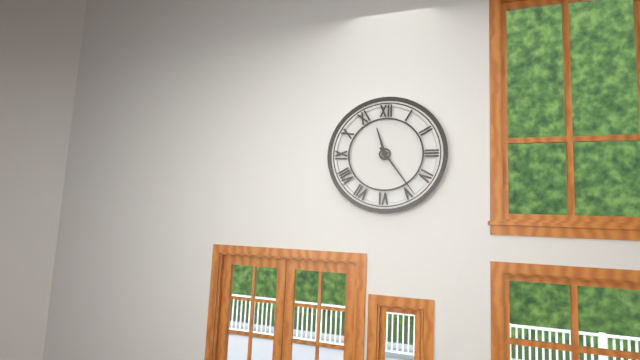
11:24
